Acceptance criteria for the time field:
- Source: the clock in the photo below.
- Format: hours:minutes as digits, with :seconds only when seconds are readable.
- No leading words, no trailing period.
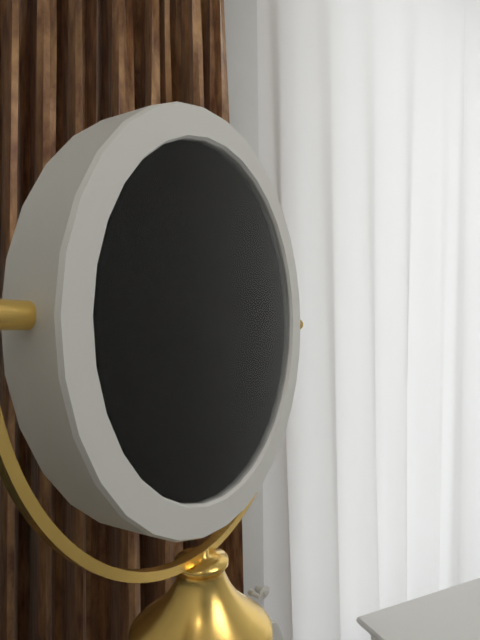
8:56:40
